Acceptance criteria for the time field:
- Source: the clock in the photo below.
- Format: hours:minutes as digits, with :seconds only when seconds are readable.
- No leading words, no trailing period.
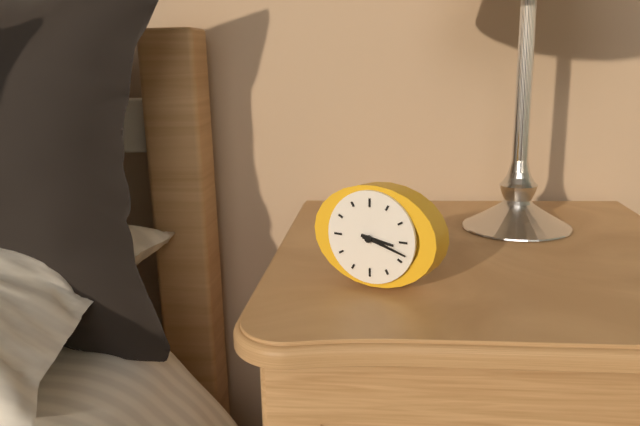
3:18
